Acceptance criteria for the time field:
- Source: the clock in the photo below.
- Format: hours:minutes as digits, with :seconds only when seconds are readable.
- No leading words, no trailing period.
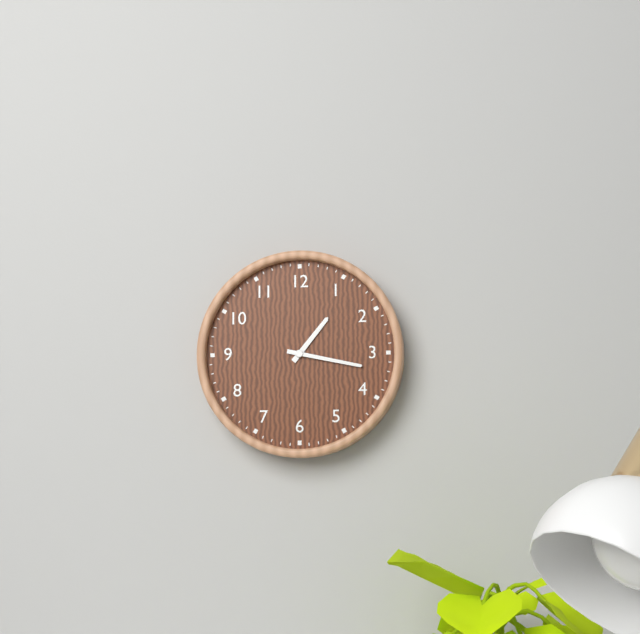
1:17
